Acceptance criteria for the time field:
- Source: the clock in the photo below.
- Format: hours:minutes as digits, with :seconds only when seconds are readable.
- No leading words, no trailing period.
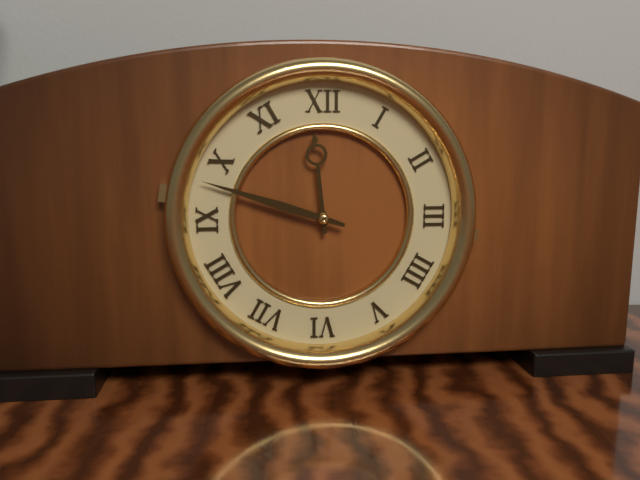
11:48
